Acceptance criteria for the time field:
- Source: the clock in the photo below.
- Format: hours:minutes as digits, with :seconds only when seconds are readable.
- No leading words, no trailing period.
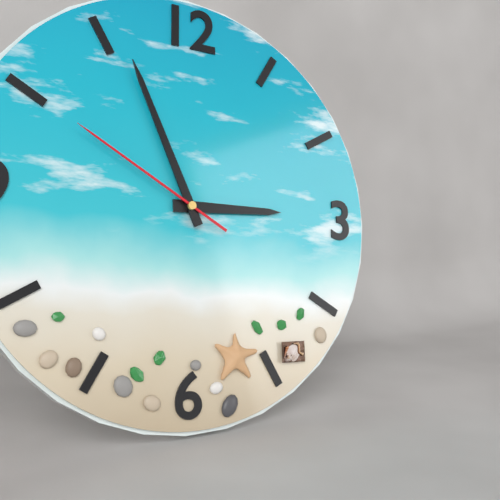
2:56:50
